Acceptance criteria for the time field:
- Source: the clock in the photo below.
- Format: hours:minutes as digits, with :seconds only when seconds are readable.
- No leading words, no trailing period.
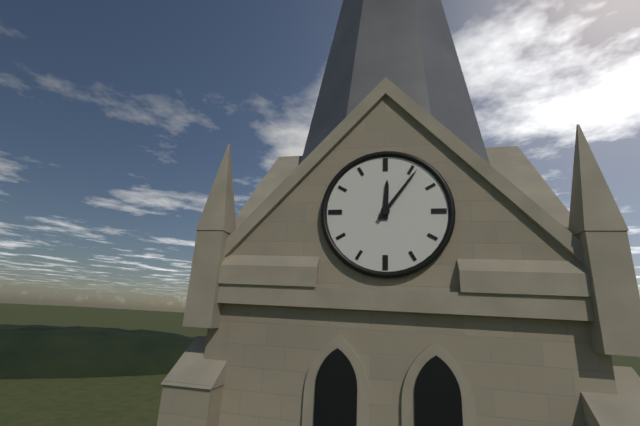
12:06
